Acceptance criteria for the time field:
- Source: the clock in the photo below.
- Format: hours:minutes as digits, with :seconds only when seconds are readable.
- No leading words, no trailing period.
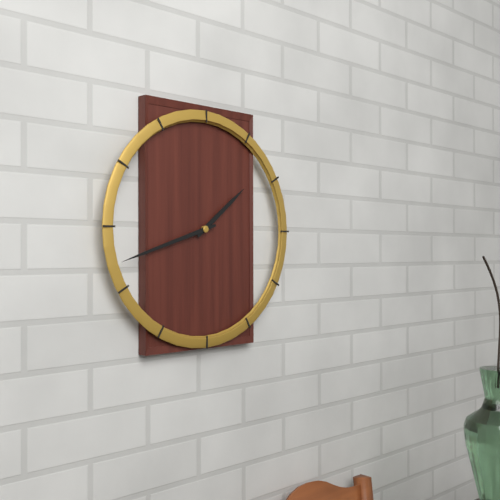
1:42
